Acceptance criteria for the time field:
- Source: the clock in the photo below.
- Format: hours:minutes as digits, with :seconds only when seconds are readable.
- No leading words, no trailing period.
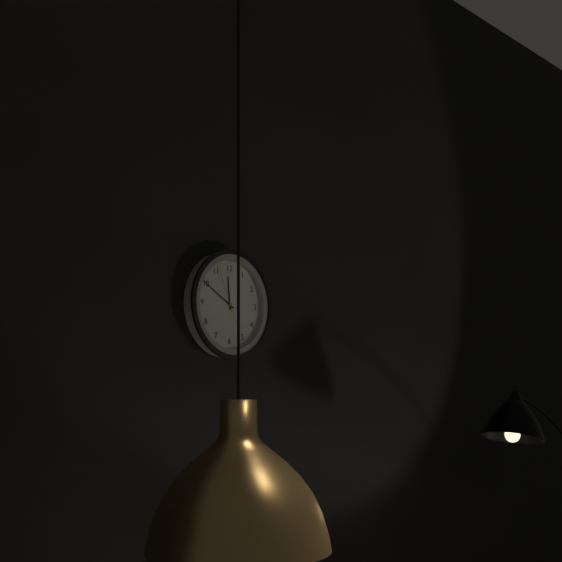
11:50:56
